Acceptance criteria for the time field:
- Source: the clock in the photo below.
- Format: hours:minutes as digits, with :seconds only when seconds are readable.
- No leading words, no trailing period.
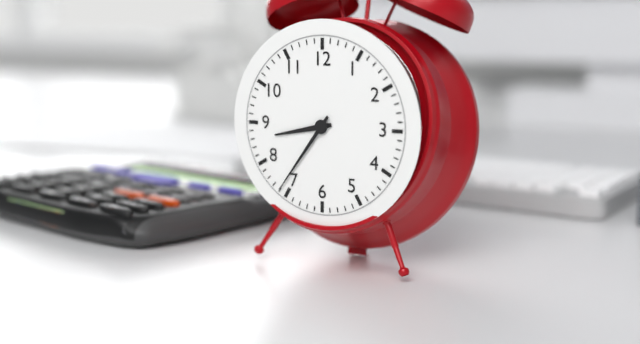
8:36
